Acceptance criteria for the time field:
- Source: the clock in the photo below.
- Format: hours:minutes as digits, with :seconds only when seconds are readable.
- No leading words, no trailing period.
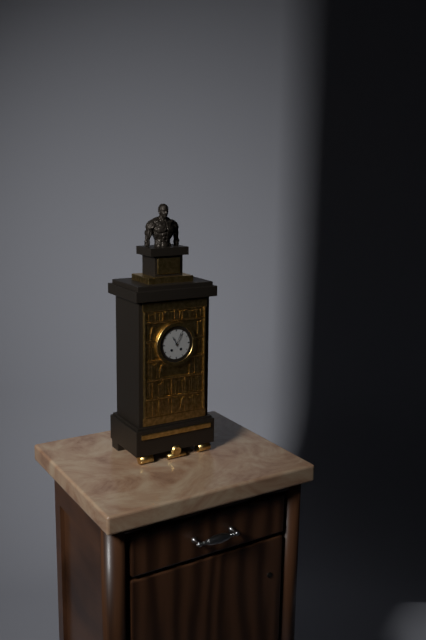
11:04
